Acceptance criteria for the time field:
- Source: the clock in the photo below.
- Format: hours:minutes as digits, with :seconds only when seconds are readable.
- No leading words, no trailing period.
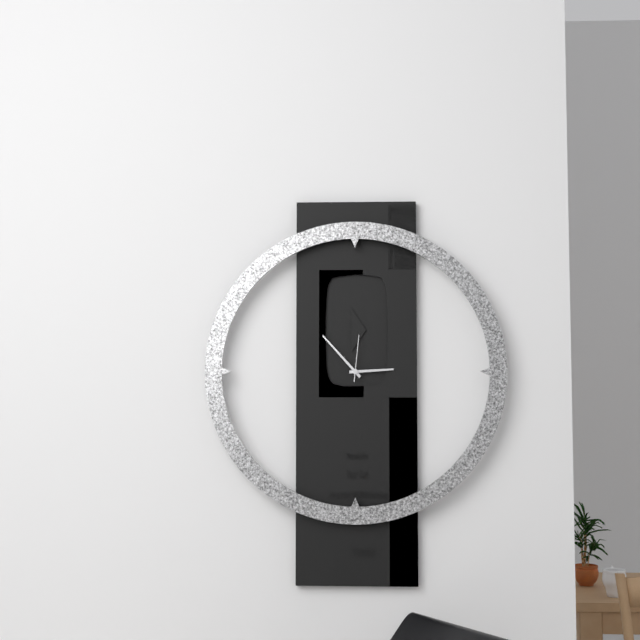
2:53
